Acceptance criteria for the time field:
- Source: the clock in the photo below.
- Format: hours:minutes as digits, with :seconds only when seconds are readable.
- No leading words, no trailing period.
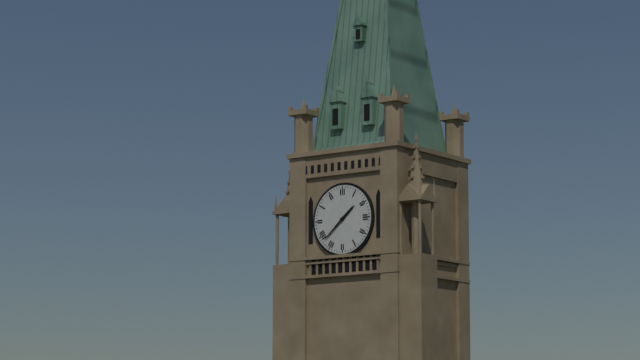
1:38
